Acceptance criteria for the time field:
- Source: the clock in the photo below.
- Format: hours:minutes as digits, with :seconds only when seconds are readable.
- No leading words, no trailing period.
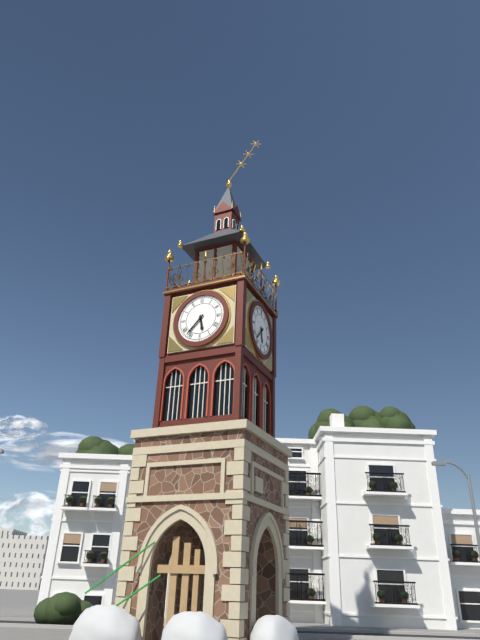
5:37
